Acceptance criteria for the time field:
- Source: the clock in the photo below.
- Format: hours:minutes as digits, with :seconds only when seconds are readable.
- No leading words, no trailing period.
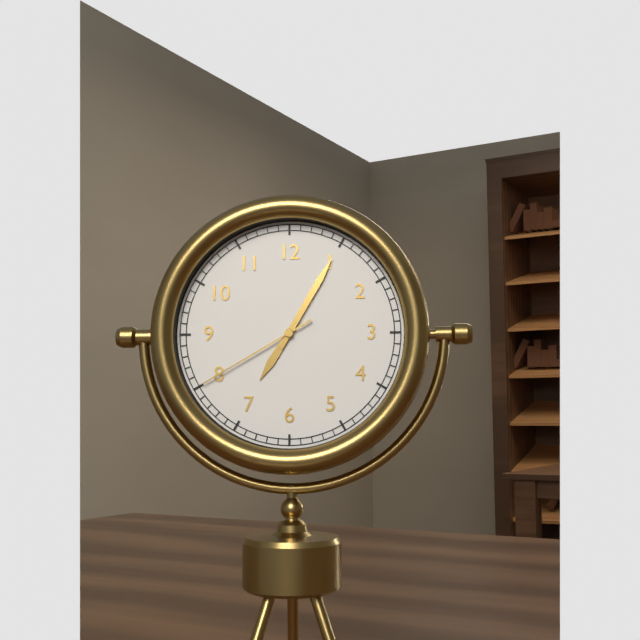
7:05:40
